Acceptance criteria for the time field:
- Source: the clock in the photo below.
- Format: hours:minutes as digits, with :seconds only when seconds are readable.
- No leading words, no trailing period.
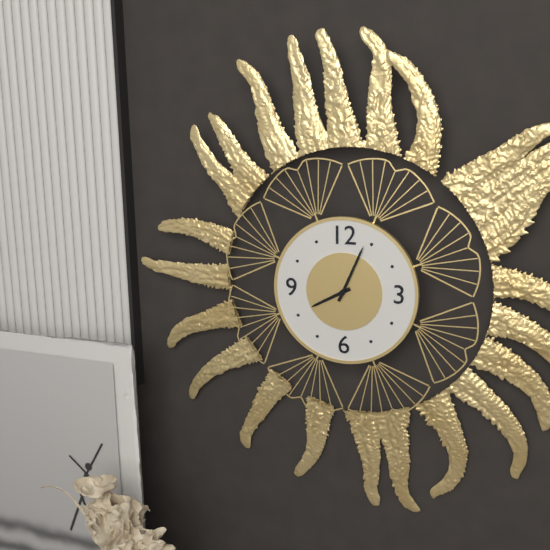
8:04
